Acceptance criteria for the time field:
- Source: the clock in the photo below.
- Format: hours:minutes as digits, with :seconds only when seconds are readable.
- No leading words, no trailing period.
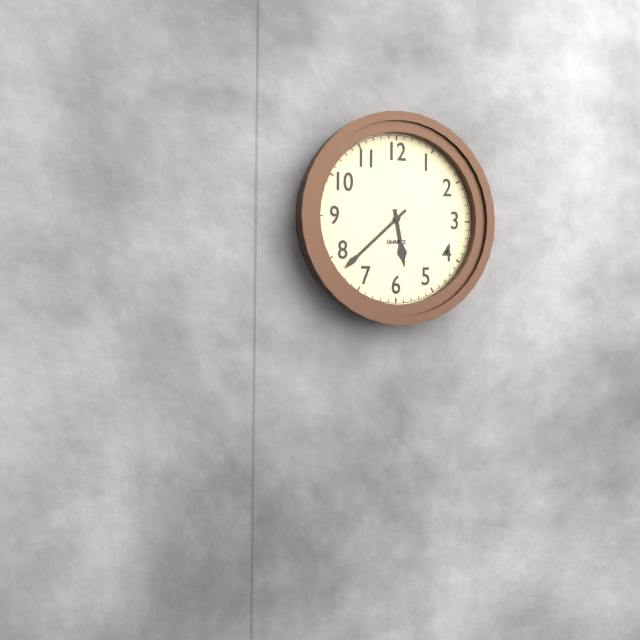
5:38
